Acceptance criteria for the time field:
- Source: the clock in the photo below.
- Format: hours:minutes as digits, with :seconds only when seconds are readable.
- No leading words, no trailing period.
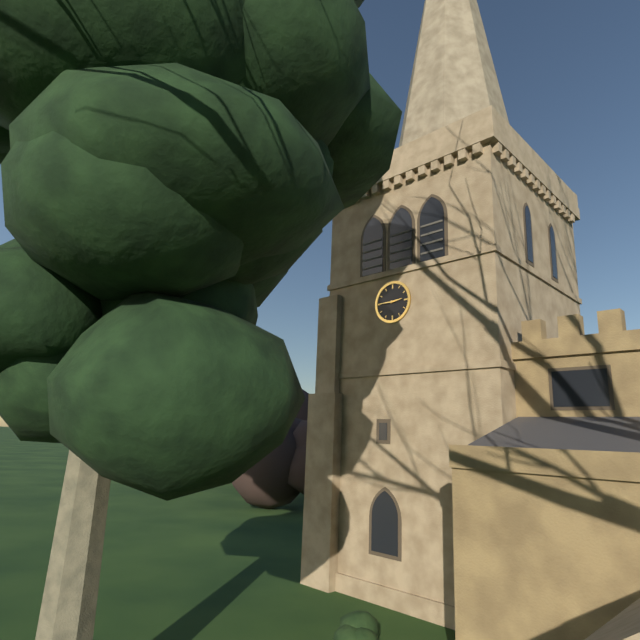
2:45
